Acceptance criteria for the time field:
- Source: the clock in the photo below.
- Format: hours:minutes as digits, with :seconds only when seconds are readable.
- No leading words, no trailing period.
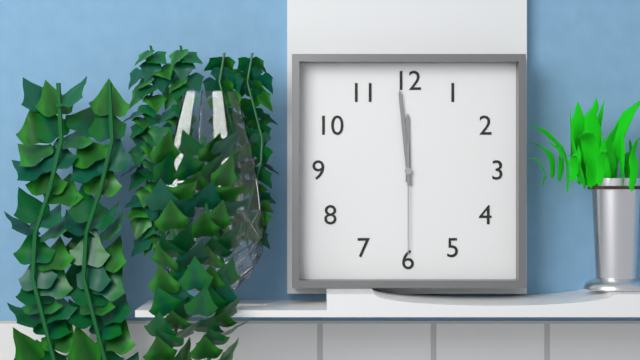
11:59:30
